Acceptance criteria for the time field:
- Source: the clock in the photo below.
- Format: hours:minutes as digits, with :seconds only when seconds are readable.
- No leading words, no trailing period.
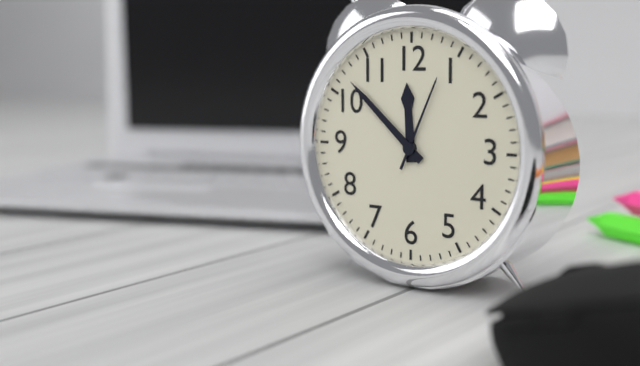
11:52:04
